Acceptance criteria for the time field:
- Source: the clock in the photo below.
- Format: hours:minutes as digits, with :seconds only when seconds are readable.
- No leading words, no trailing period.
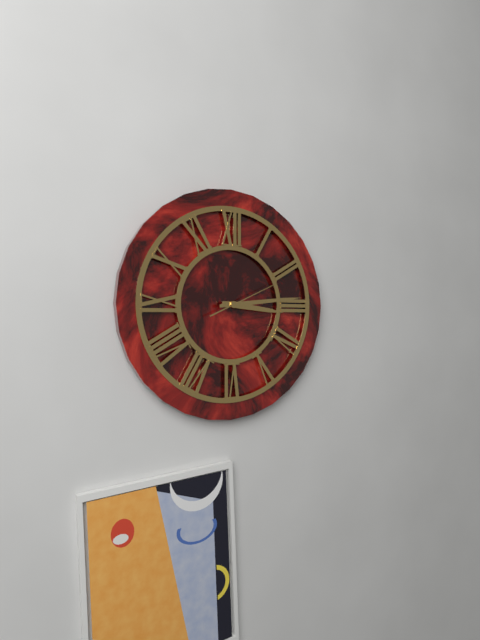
3:14:11
